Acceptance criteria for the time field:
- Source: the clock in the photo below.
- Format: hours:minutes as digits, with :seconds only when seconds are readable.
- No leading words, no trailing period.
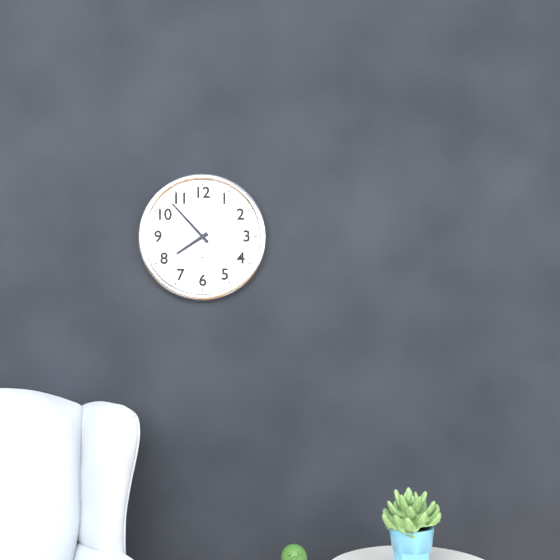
7:53
